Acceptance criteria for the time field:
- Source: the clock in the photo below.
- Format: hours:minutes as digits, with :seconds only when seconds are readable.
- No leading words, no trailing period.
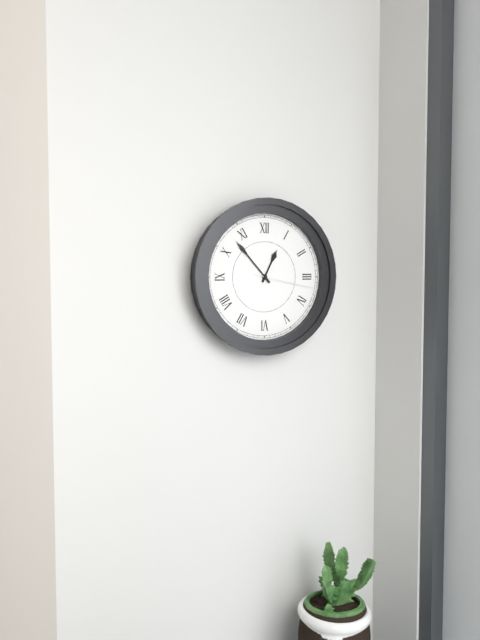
12:53:17
